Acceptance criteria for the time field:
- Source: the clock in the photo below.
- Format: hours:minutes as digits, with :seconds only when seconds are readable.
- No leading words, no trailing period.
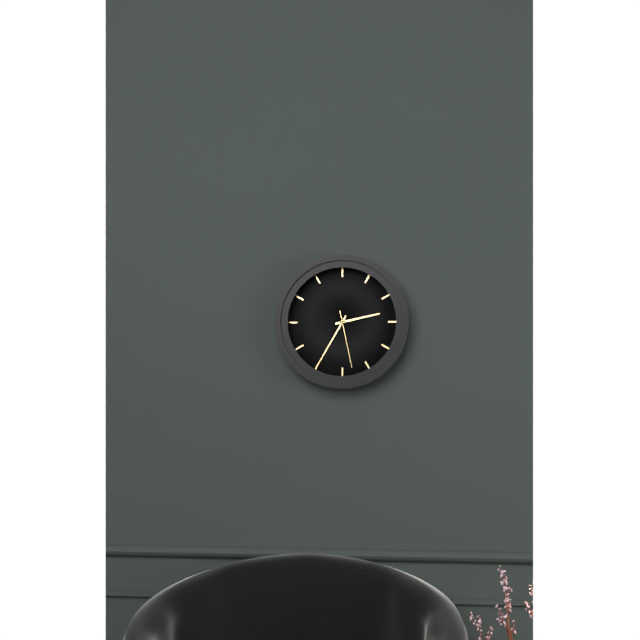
2:35:28
